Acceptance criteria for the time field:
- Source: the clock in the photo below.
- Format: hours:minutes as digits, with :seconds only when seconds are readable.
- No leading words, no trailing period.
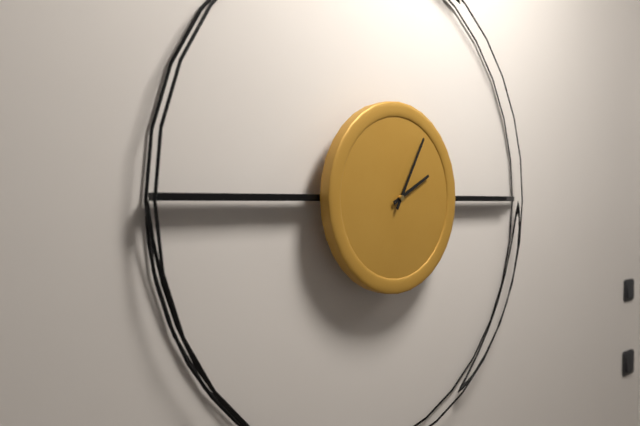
2:05
